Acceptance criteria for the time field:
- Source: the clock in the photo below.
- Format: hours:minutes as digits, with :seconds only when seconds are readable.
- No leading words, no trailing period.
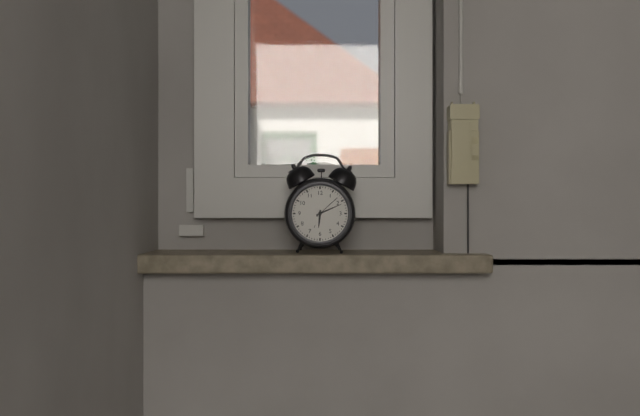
6:11
